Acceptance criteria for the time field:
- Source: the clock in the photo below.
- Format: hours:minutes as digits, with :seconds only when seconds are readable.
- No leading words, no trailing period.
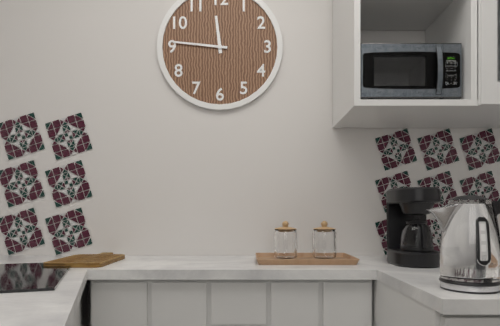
11:46
